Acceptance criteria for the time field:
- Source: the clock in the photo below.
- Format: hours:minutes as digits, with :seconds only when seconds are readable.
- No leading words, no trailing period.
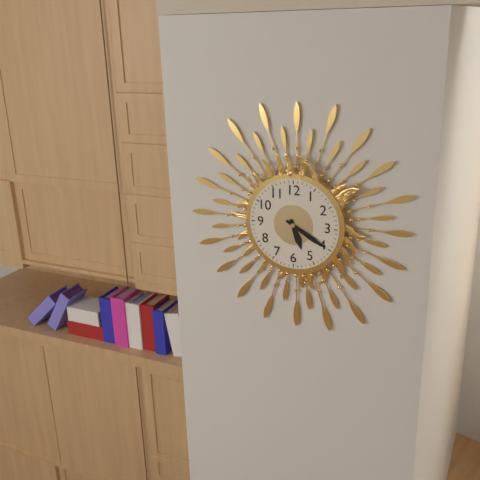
5:20
